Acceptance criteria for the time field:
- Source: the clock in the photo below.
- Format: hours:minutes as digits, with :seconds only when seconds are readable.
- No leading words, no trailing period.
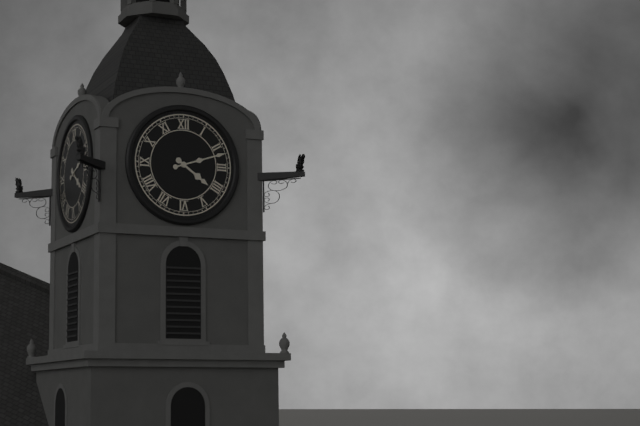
4:12
